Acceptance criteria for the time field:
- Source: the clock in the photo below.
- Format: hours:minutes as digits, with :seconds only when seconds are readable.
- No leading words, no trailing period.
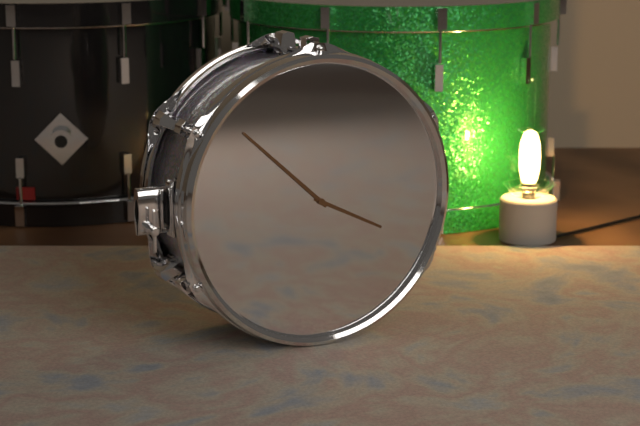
3:52
